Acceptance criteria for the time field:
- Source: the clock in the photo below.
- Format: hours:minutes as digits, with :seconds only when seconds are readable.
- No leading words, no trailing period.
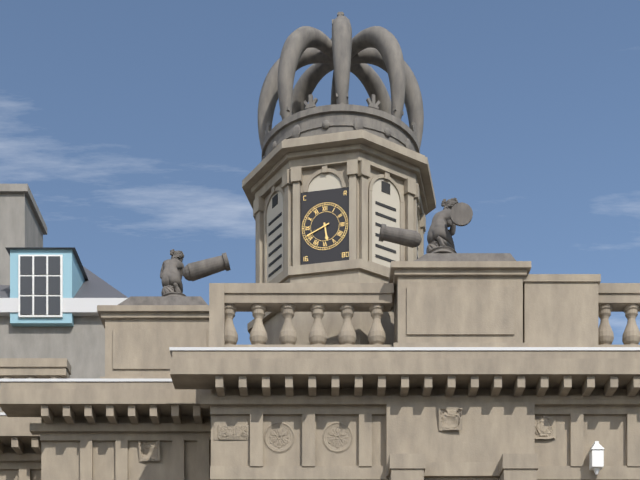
5:41
